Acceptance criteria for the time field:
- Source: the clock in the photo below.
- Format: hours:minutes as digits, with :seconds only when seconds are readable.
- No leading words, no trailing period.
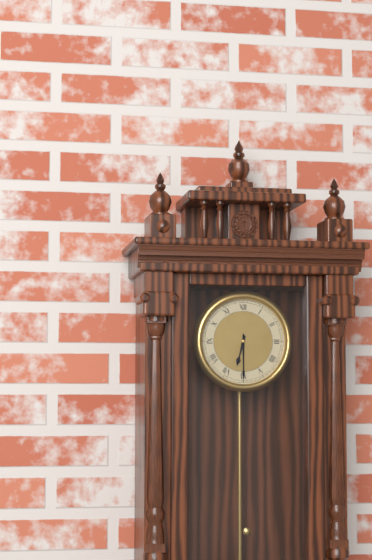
6:30
